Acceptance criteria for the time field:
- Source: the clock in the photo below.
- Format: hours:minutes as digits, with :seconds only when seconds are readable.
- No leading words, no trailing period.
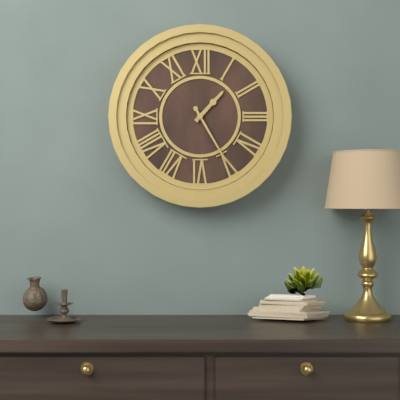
1:25
